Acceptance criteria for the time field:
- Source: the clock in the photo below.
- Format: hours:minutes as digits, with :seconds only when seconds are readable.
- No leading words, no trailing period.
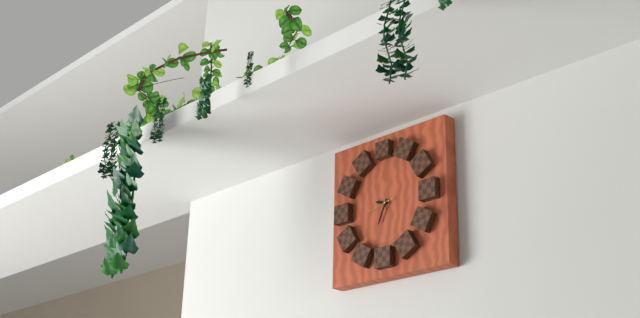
9:34
